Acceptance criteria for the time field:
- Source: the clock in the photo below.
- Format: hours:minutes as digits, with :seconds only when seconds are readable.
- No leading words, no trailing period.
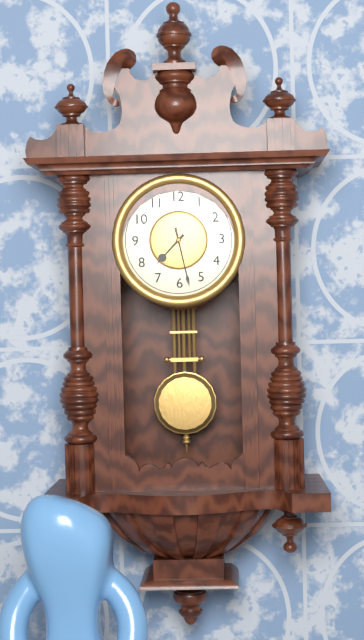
7:28
